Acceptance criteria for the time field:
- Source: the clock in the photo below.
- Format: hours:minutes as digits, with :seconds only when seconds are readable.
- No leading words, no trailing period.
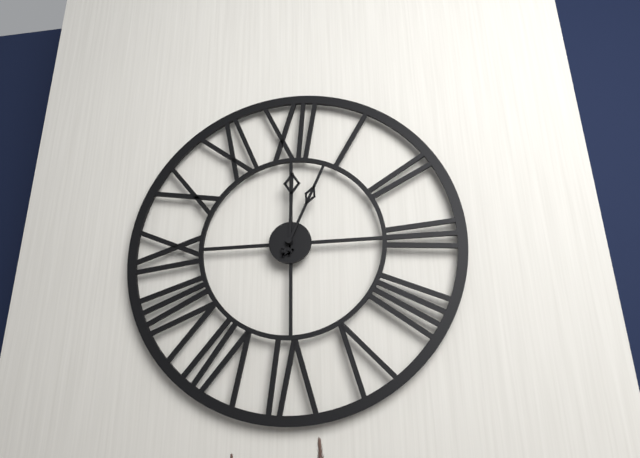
12:04
